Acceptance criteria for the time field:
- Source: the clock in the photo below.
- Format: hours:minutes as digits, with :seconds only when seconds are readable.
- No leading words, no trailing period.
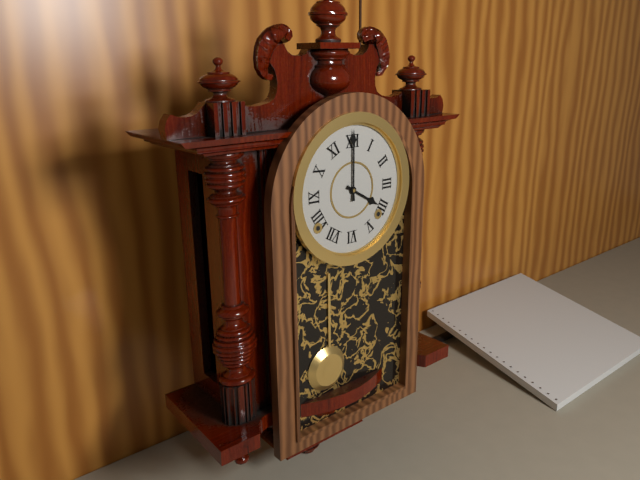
4:00
